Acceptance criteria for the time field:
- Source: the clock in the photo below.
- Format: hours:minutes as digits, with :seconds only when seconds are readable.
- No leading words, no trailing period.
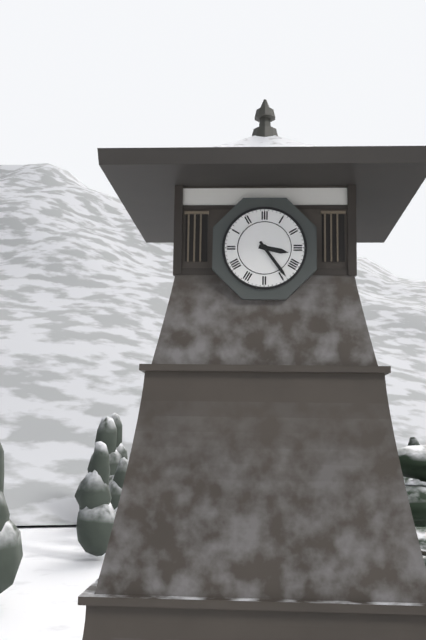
3:24
